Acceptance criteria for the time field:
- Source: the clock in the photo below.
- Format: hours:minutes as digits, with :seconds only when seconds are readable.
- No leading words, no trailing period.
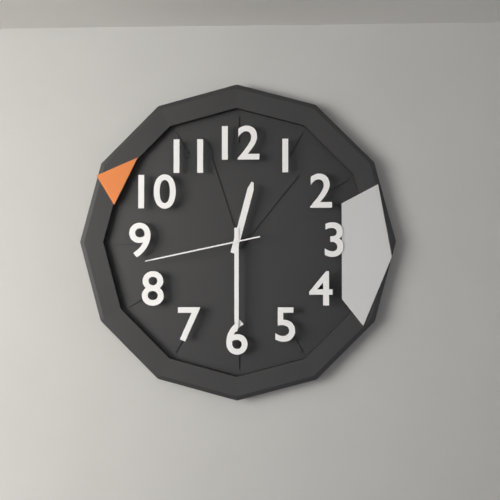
12:30:43
